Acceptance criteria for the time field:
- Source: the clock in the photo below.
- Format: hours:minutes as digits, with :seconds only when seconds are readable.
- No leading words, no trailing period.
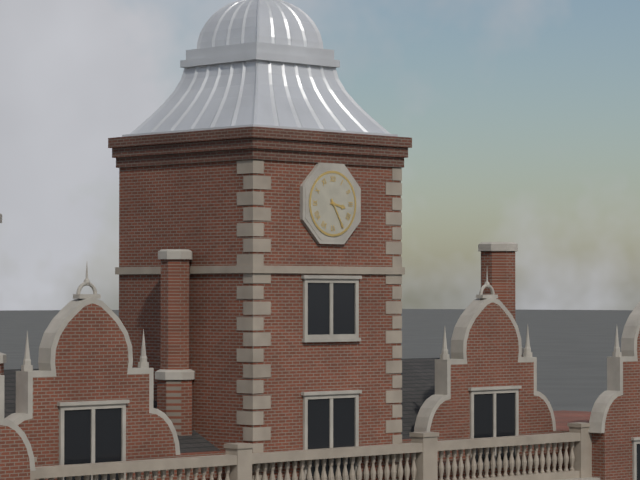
3:25
